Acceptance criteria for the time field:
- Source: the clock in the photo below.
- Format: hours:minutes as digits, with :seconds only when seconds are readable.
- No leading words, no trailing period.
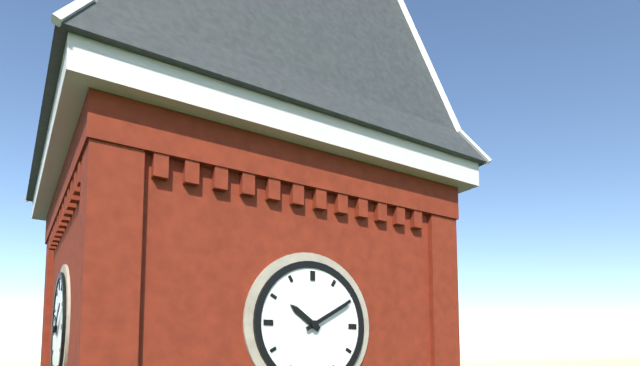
10:10
